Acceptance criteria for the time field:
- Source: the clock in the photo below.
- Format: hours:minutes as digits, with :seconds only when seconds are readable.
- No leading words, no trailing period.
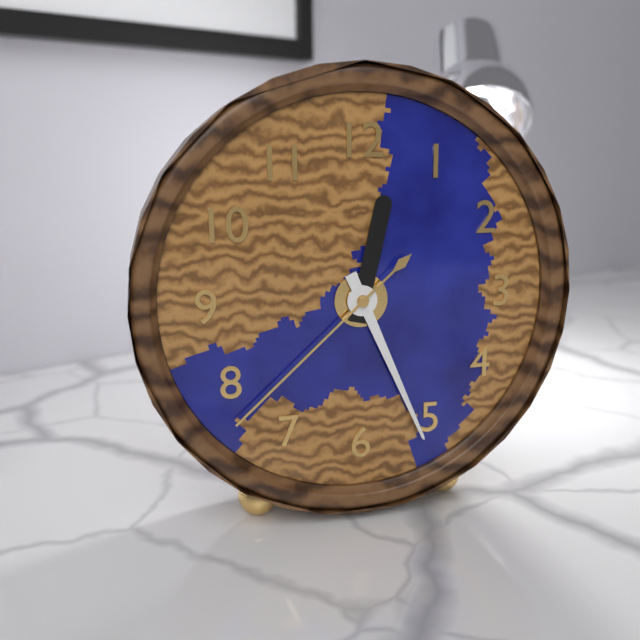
12:26:38
